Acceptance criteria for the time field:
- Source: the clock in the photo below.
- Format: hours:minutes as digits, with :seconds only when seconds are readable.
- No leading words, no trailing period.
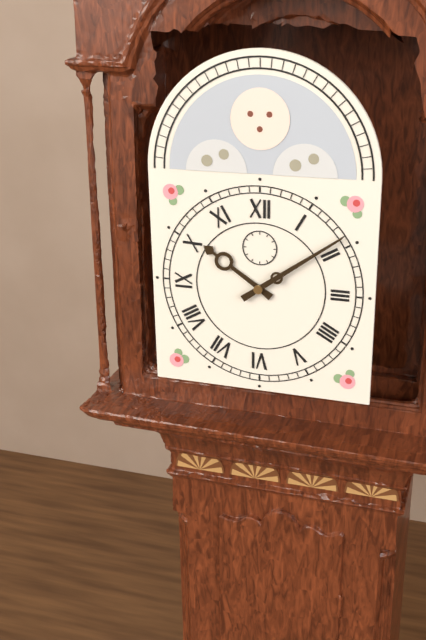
10:09
